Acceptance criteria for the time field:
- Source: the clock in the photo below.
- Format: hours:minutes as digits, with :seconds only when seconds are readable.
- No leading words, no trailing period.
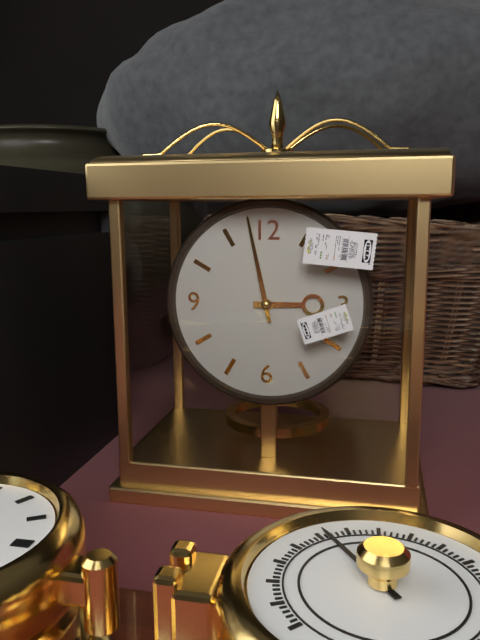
2:58
